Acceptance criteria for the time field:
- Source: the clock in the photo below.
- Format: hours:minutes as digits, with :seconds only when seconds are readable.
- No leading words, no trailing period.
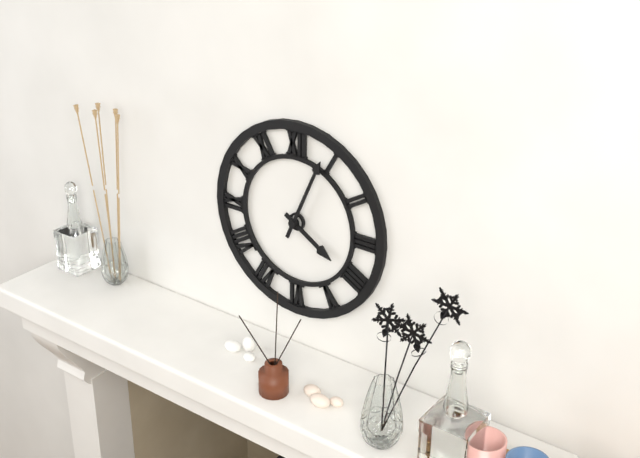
4:04
